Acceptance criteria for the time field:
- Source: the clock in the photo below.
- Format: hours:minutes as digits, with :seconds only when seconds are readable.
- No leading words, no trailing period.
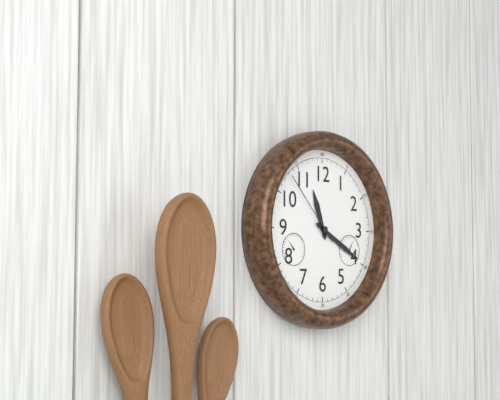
11:20:53
